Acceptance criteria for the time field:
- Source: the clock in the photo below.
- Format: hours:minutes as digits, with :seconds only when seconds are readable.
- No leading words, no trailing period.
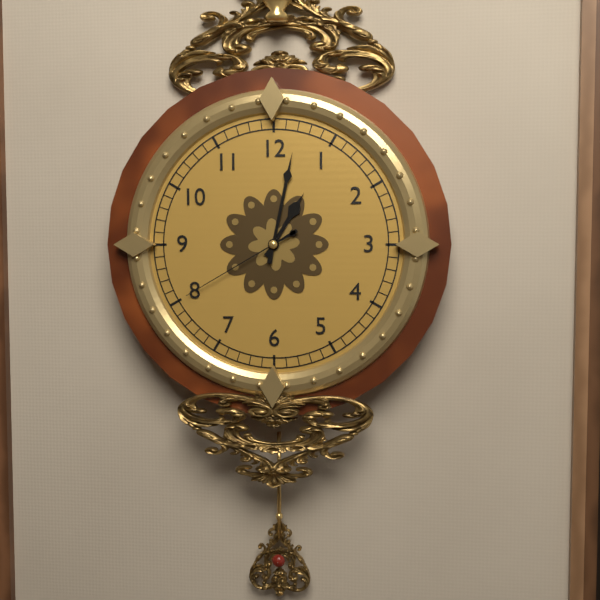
1:02:40
